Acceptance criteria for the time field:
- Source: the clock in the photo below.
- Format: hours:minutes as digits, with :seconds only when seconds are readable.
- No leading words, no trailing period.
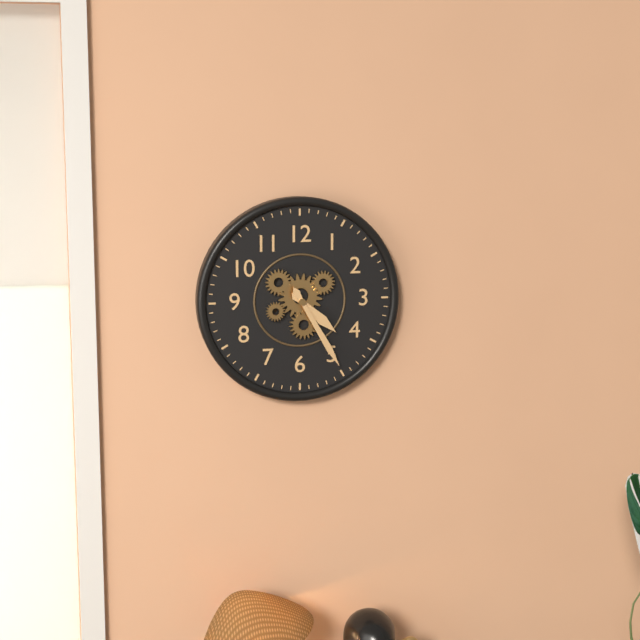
4:25
